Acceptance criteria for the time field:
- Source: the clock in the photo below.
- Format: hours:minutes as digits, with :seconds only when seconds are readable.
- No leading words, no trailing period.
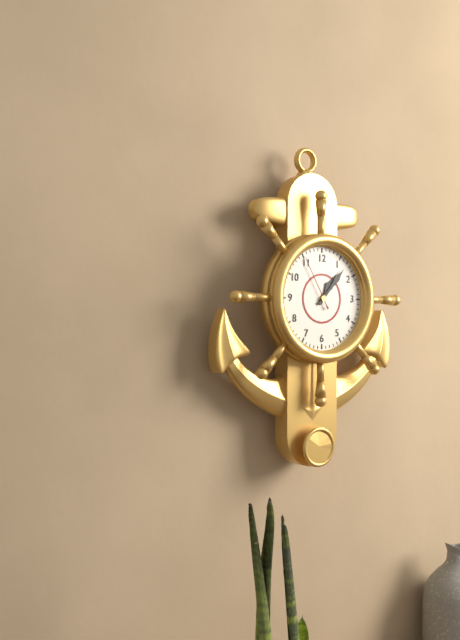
1:07:55
